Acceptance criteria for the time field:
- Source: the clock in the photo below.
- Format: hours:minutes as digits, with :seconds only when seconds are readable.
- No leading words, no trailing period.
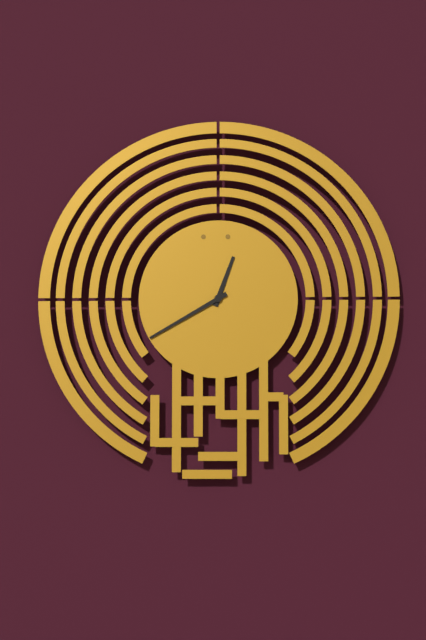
12:40
